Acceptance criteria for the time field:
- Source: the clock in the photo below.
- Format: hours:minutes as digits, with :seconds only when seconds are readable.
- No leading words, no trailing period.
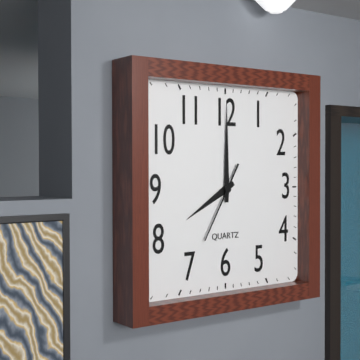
8:00:35
